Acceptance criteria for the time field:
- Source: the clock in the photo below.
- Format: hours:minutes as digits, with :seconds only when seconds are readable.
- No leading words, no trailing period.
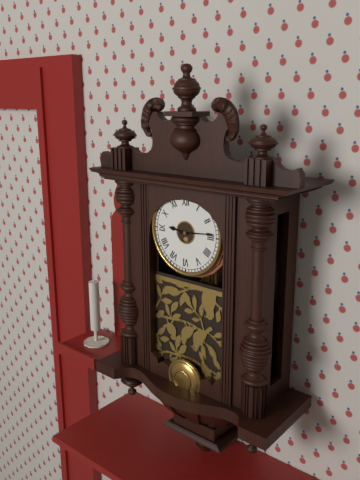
9:14
